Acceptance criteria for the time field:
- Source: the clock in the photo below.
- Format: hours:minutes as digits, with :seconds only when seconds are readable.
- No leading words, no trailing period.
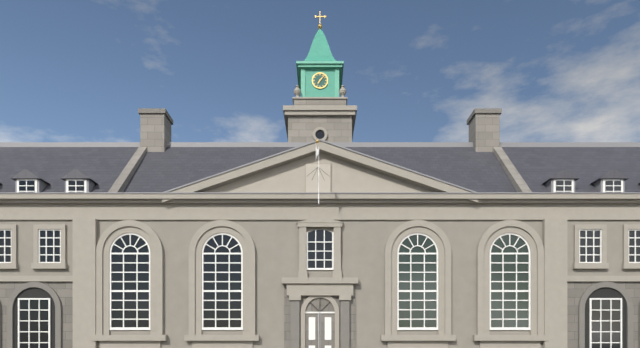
7:07
